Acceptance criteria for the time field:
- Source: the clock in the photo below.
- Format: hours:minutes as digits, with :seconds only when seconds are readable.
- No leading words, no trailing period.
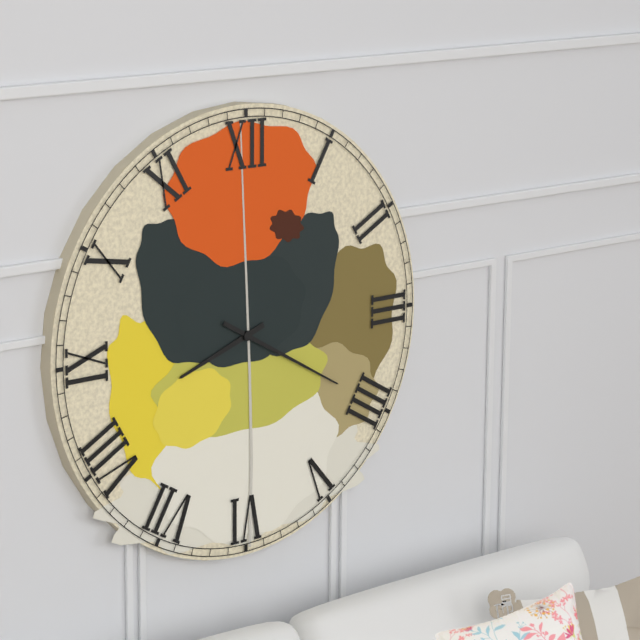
8:20
